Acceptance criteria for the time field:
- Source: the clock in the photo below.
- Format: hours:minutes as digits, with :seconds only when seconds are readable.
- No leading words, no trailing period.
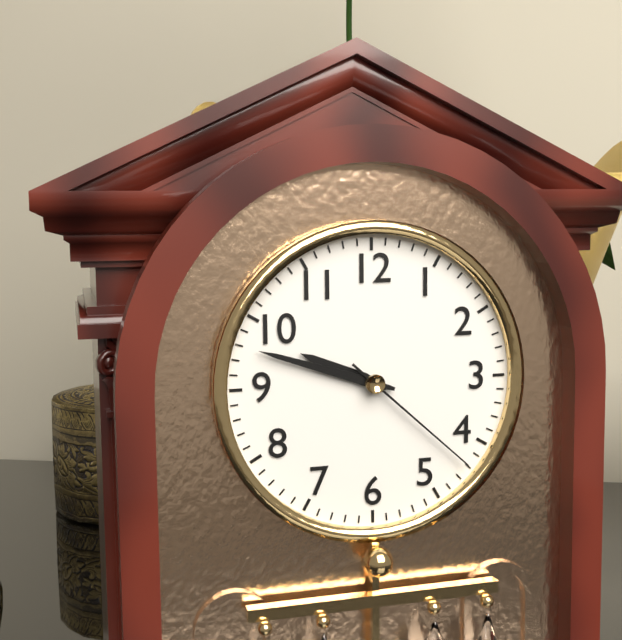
9:48:22
